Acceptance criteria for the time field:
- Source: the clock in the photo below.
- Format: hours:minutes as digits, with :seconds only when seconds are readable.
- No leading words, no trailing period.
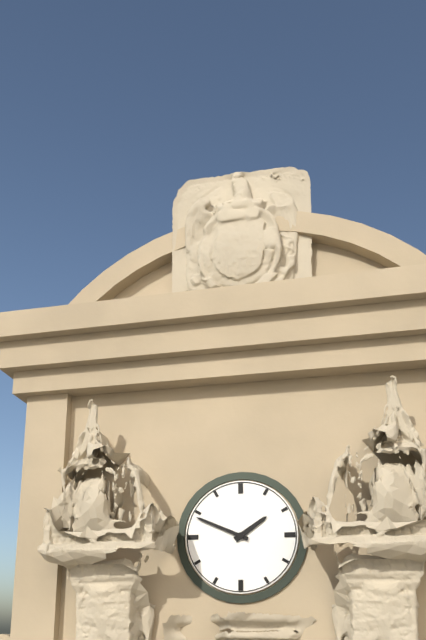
1:49
